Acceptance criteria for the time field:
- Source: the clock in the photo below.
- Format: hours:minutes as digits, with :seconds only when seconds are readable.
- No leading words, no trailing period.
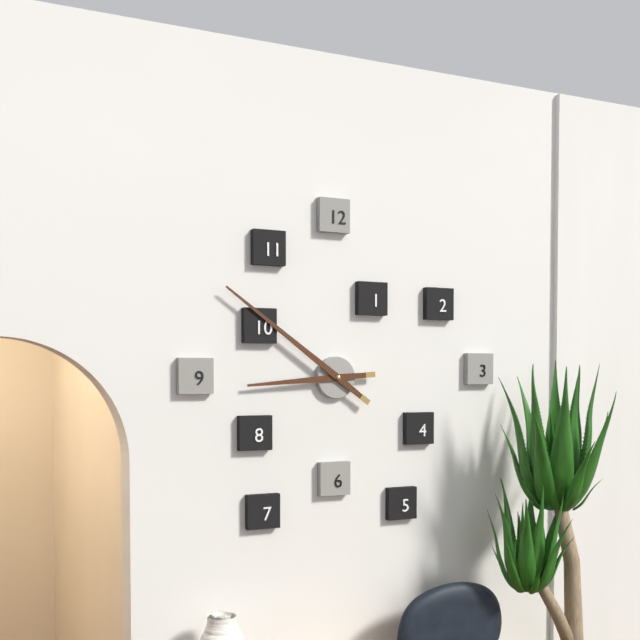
8:51
